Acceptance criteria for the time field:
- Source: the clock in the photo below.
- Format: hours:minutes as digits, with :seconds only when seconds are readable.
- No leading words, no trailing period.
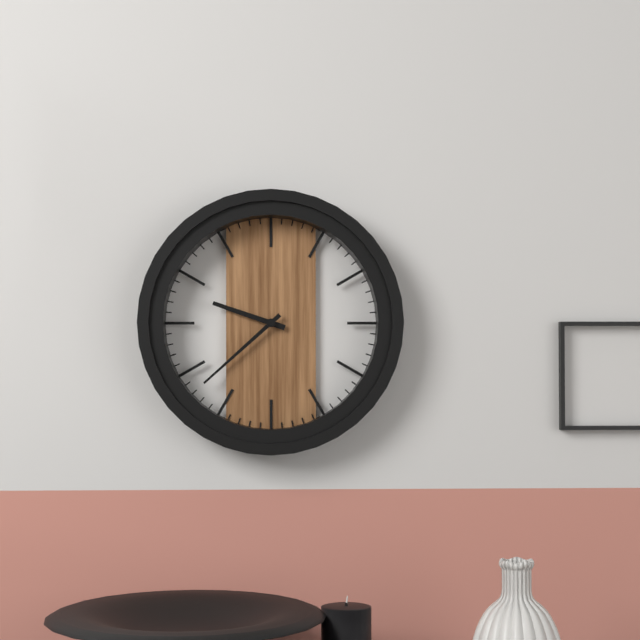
9:38
